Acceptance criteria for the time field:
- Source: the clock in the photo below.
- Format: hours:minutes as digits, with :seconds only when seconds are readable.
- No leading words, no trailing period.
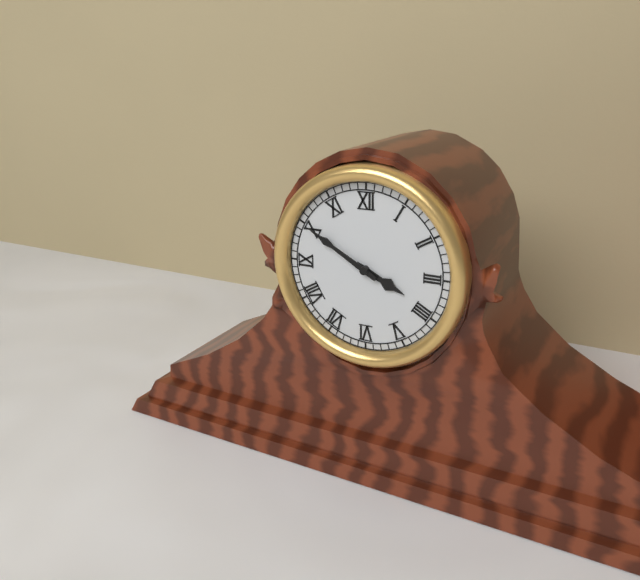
3:50
